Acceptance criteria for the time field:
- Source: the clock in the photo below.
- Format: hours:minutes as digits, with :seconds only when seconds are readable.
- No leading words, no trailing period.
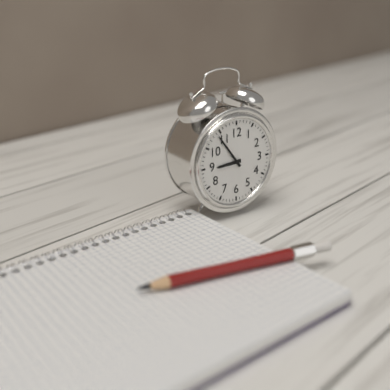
8:54
